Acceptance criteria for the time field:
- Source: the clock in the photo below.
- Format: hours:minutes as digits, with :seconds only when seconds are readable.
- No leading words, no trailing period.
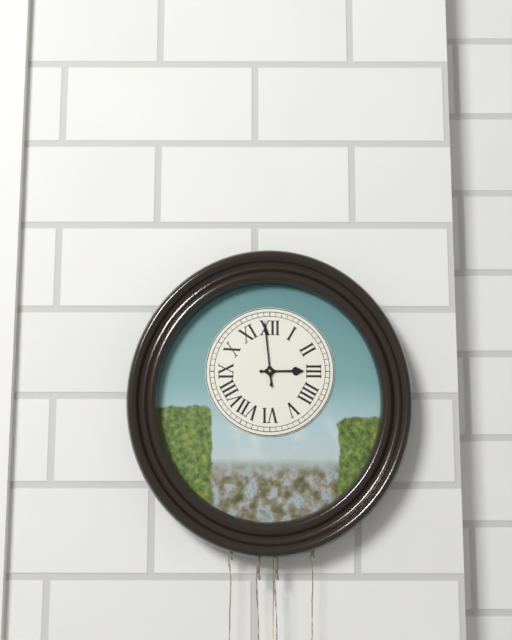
2:59
